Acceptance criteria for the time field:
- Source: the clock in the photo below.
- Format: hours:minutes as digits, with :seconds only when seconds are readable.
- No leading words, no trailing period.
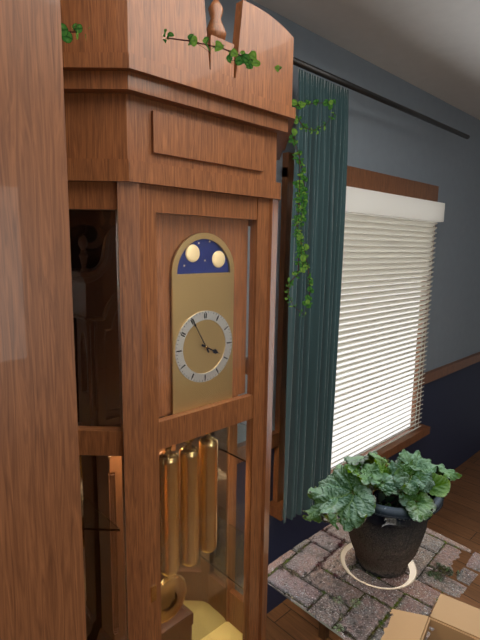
3:55
